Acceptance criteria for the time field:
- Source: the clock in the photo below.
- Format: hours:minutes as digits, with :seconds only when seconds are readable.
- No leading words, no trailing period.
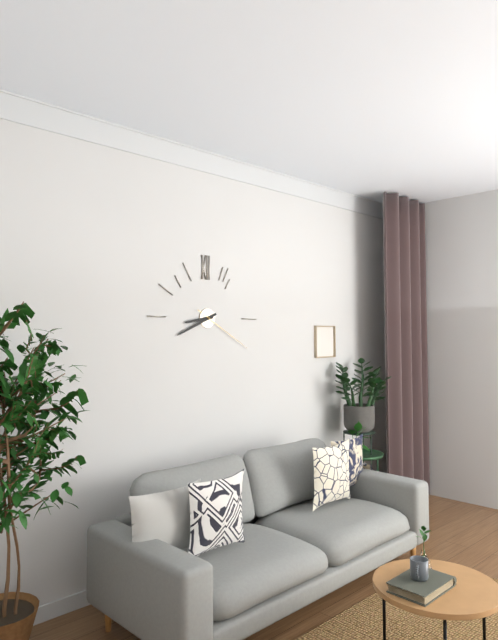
8:41:20
